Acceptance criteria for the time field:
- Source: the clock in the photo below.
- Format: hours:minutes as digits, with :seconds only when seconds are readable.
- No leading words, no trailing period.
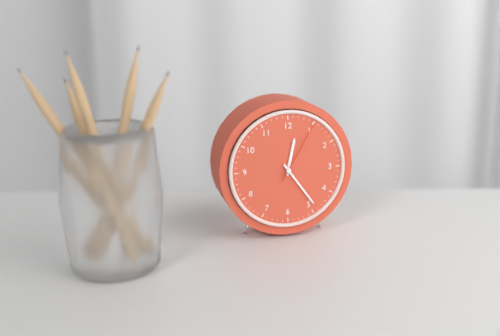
12:24:05
